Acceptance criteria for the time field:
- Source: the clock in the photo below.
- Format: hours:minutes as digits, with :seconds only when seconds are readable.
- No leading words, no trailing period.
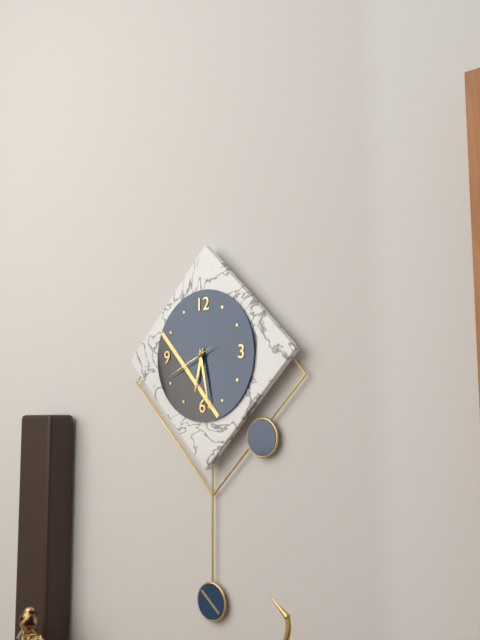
6:28
